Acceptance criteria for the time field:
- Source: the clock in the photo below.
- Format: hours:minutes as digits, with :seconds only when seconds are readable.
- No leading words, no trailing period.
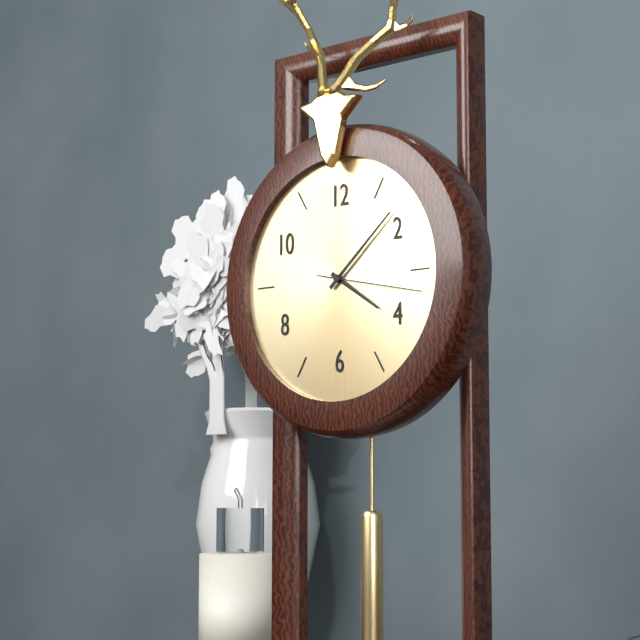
4:08:17
